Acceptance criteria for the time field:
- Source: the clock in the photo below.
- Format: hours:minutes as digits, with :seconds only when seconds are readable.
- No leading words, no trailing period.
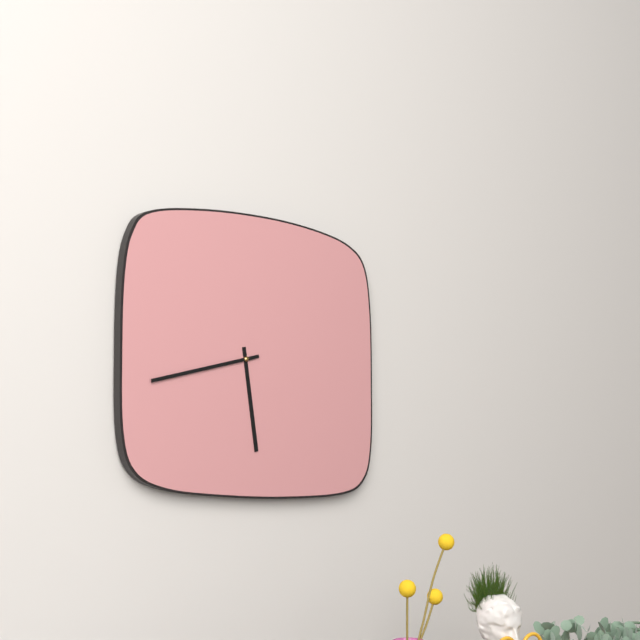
5:43
